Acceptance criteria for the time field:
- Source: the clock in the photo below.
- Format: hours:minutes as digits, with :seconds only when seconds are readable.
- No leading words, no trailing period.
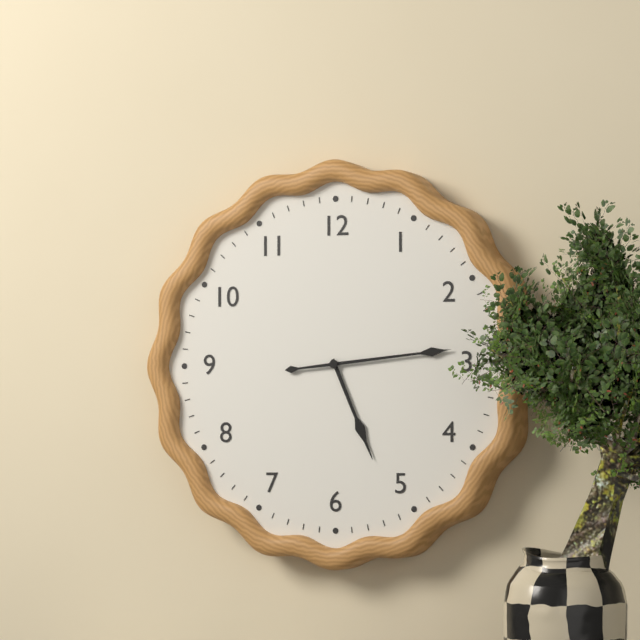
5:14
